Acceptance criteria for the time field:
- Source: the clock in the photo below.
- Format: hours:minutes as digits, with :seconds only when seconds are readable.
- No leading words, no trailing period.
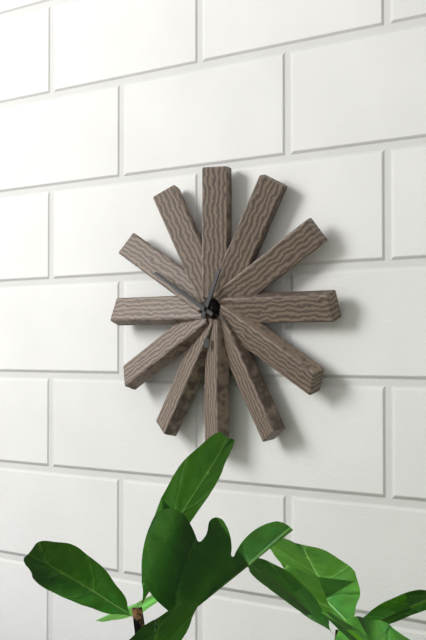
12:50
